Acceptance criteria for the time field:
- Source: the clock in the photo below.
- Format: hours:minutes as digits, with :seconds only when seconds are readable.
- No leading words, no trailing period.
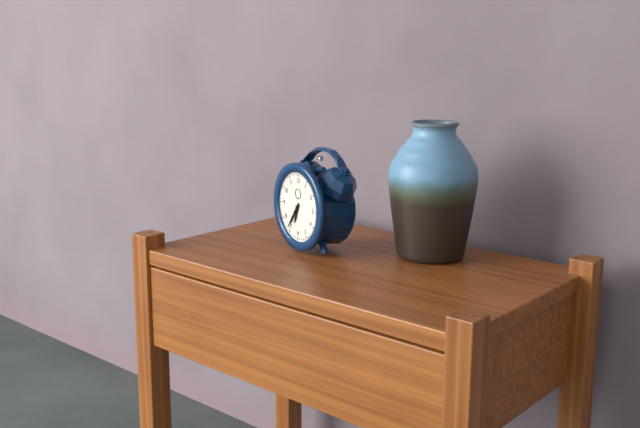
6:36
